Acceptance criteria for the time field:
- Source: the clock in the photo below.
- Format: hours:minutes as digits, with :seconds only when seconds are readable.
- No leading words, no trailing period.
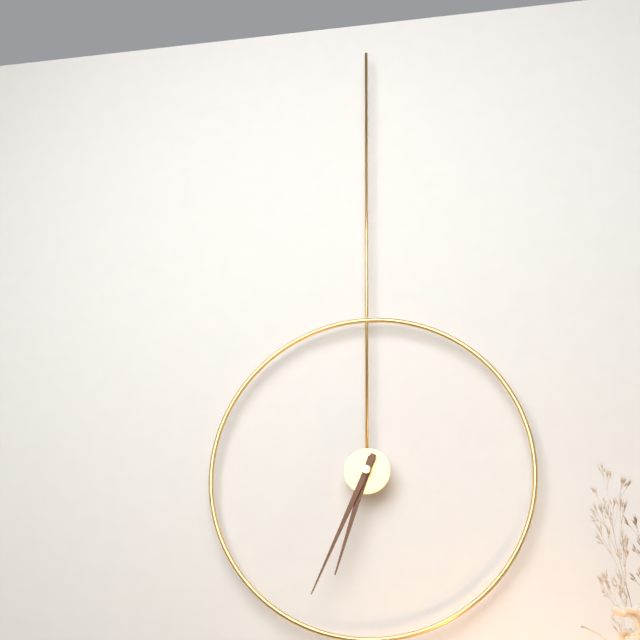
6:34
